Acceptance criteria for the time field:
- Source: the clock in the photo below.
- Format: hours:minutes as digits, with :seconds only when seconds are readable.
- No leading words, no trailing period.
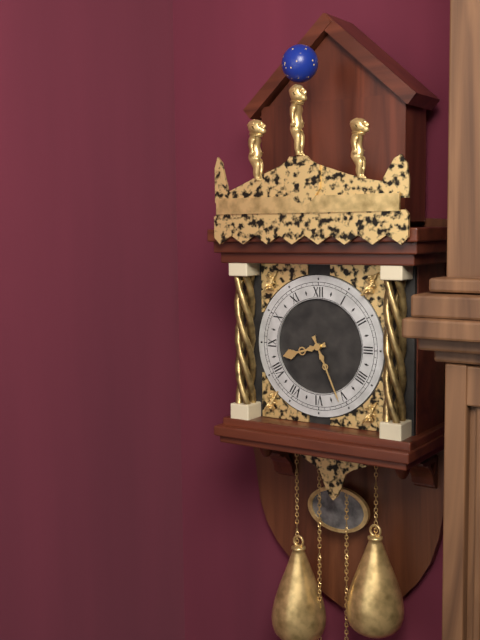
8:26
